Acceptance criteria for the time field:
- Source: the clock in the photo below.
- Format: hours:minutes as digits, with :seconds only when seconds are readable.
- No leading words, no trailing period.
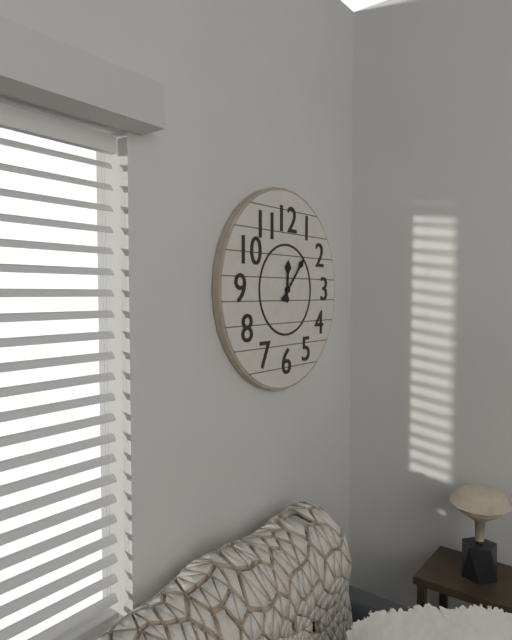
12:07
